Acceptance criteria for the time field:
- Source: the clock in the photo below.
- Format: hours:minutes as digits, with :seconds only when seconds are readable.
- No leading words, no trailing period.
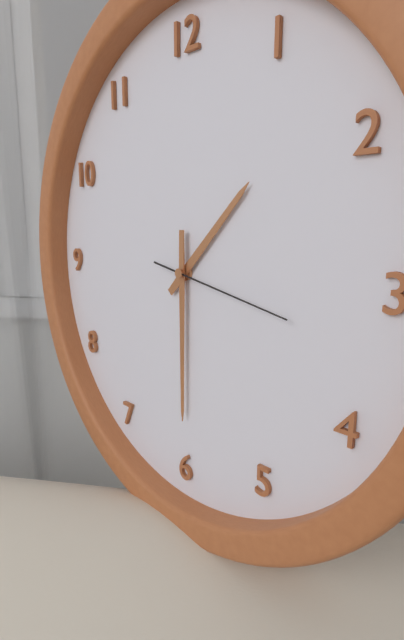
1:30:17
